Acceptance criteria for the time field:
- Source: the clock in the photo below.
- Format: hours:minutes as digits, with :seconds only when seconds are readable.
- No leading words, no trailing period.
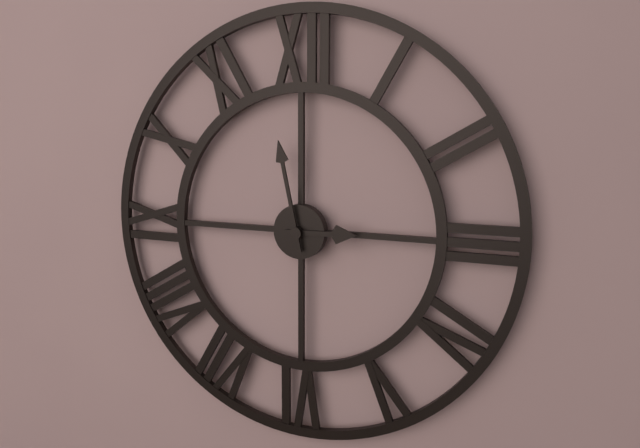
2:58
